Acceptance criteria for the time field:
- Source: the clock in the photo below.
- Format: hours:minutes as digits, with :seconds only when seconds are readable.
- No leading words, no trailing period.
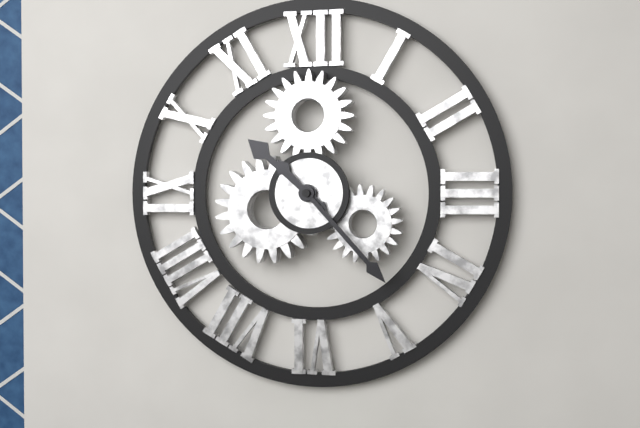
10:23
